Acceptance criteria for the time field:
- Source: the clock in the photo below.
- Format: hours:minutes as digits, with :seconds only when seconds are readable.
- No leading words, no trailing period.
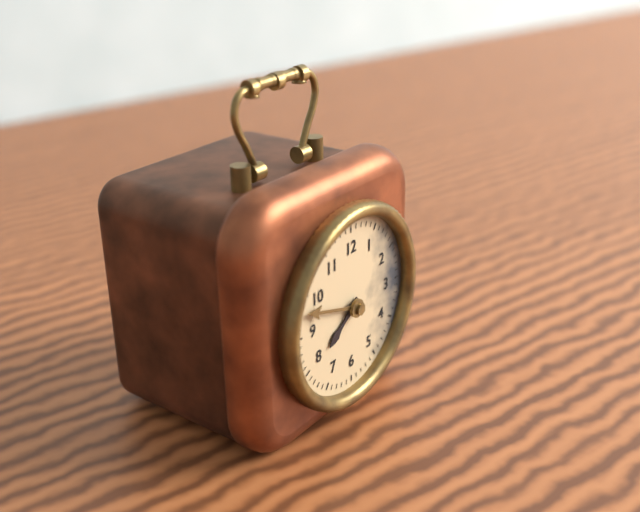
7:48
